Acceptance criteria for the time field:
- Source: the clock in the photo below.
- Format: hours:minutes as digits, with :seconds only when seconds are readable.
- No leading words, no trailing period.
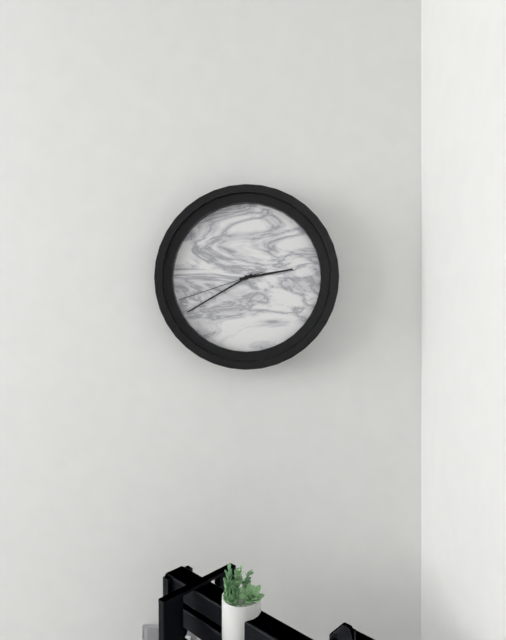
2:40:42
